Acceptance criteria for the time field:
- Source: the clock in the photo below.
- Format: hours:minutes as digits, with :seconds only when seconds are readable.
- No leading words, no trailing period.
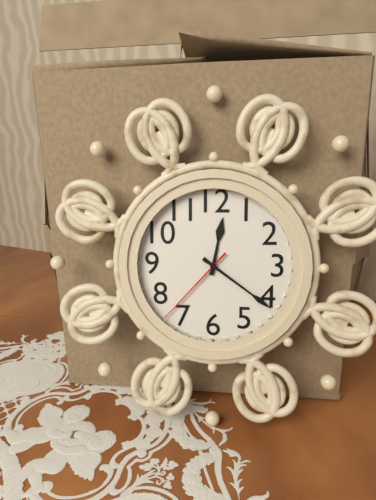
12:21:37
